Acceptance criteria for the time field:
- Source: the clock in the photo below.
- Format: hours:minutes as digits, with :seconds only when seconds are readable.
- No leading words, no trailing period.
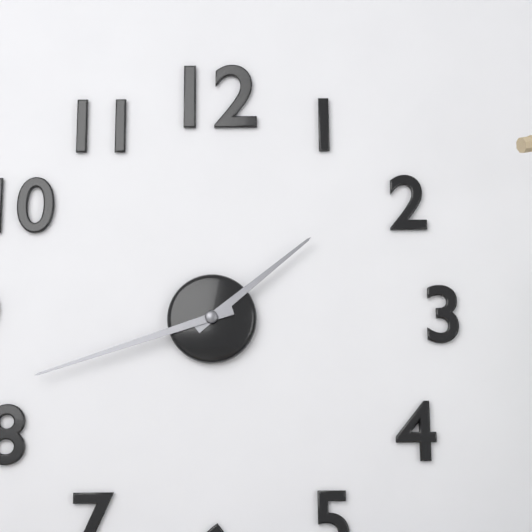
1:42
